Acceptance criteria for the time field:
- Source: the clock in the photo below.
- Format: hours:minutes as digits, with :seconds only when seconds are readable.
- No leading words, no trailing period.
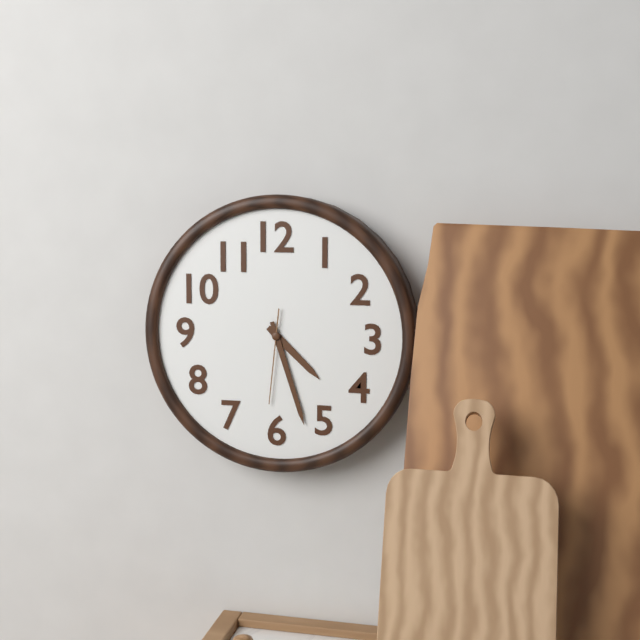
4:27:31
